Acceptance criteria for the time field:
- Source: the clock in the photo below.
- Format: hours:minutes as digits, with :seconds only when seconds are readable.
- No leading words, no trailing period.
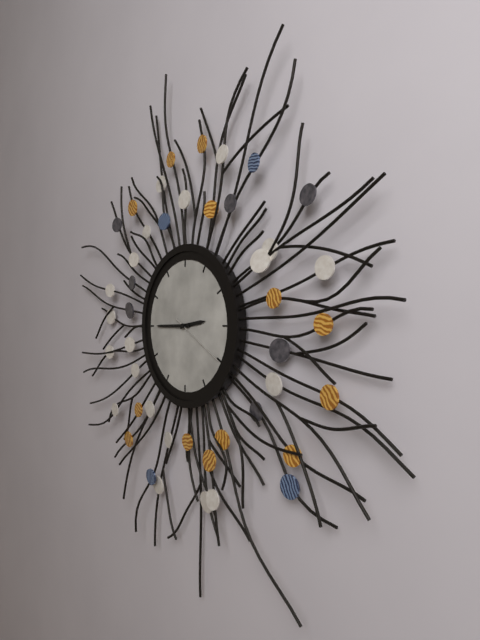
2:45:20
